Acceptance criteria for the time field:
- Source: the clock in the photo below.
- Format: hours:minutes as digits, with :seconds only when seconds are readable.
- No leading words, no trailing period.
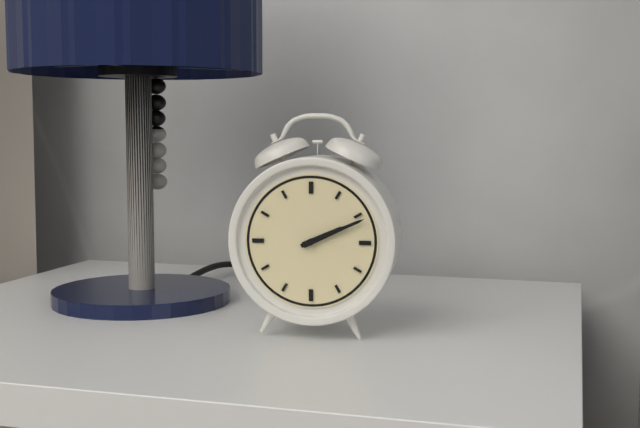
2:11
